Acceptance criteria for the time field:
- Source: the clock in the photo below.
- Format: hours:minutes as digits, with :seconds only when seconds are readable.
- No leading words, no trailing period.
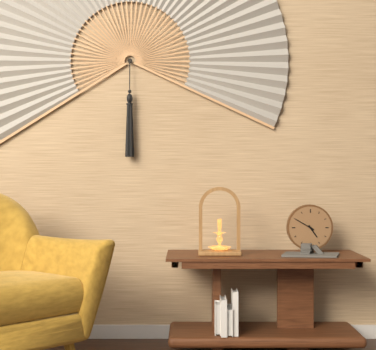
4:50
